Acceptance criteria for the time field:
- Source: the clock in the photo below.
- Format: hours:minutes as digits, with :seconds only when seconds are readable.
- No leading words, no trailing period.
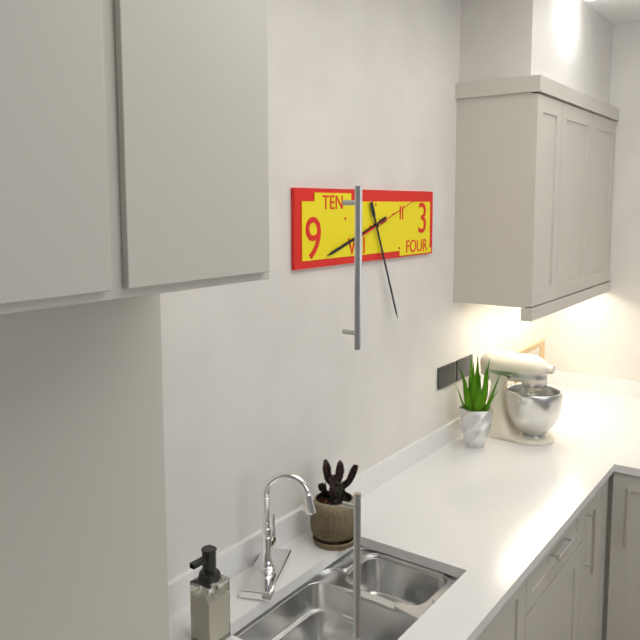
8:26:12
